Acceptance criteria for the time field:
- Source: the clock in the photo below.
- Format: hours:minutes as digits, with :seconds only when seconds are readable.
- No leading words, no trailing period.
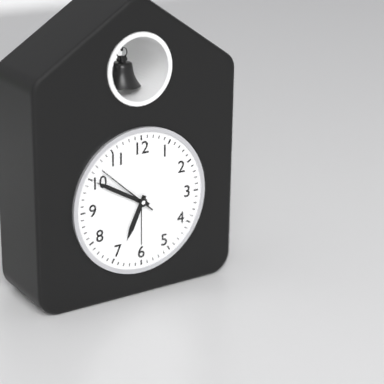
6:50:52
